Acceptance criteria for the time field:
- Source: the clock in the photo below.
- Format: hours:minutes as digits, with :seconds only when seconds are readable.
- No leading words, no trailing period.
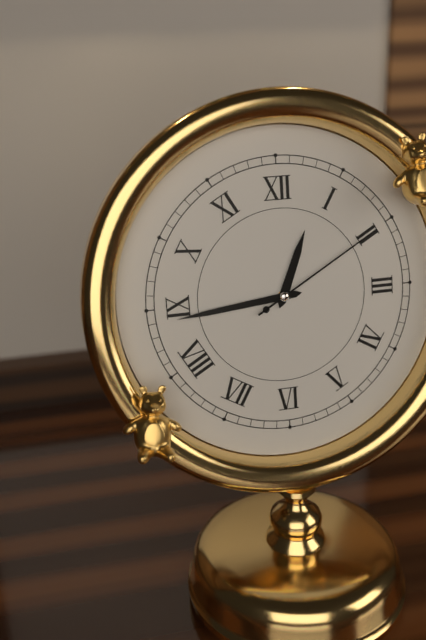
12:44:10
